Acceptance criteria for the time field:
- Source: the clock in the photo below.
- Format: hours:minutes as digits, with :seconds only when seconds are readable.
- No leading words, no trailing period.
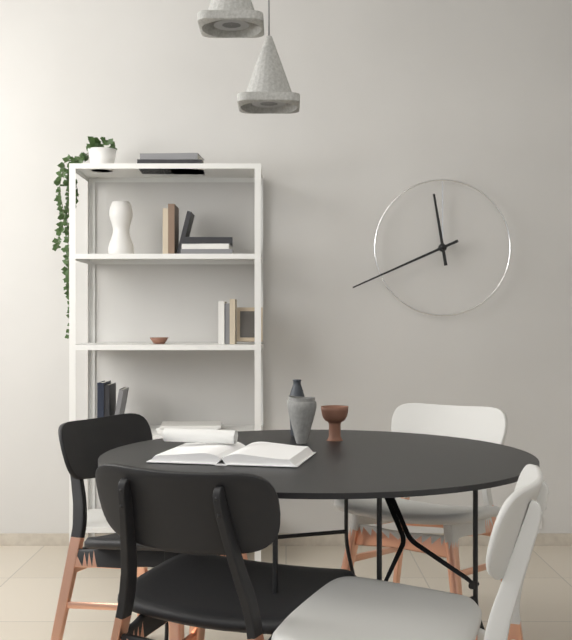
11:41
